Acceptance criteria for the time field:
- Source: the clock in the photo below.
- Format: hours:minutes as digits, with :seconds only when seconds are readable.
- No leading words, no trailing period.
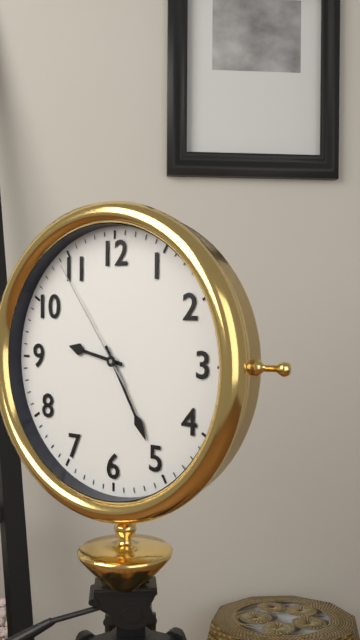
9:25:54
